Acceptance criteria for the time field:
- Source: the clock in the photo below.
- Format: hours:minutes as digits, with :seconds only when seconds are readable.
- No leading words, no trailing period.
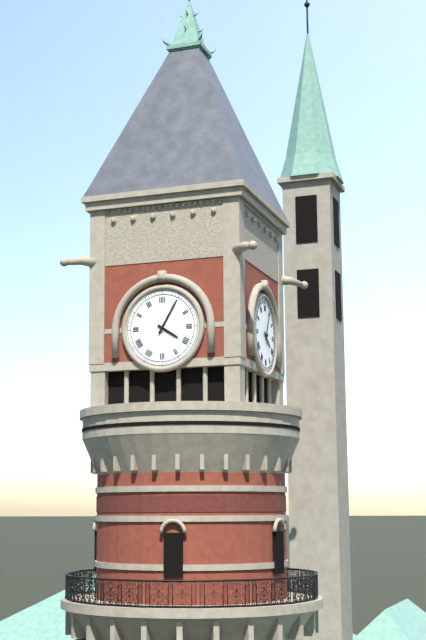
4:05
